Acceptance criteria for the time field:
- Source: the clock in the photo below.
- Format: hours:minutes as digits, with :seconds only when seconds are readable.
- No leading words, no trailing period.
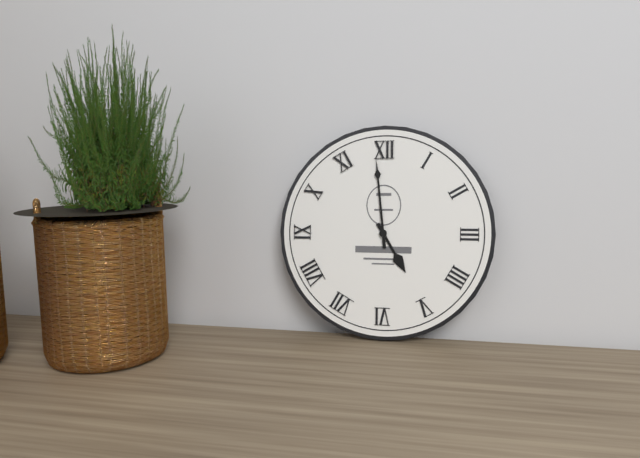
4:59
